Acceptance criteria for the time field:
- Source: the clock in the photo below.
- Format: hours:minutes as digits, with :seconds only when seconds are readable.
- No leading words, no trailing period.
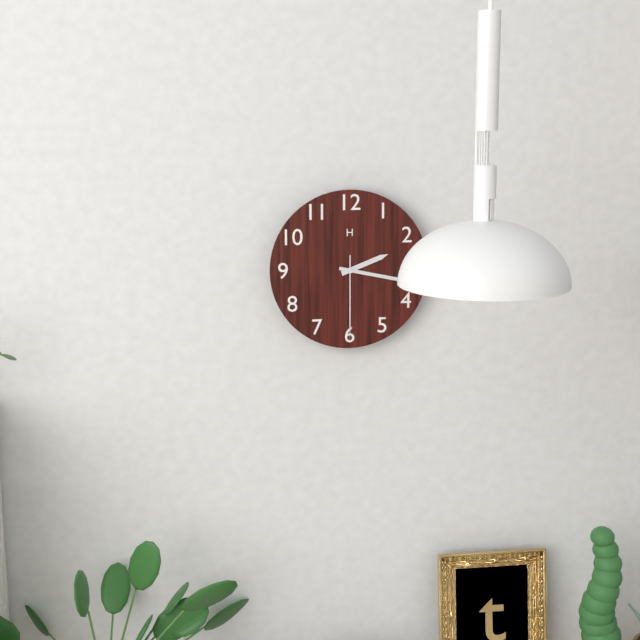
2:17:30
